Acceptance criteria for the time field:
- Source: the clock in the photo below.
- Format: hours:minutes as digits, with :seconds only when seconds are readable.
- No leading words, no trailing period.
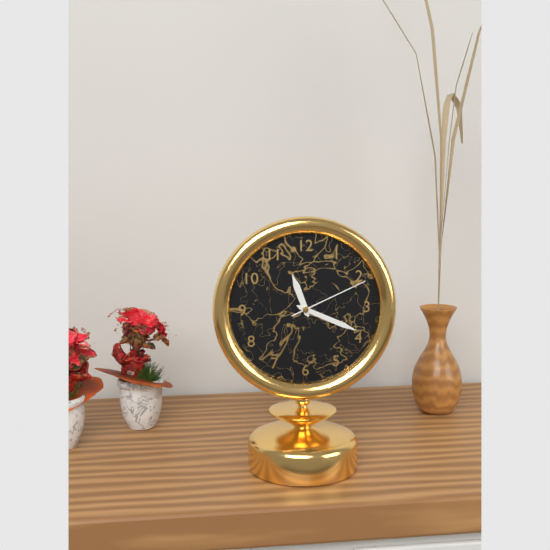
11:19:11
